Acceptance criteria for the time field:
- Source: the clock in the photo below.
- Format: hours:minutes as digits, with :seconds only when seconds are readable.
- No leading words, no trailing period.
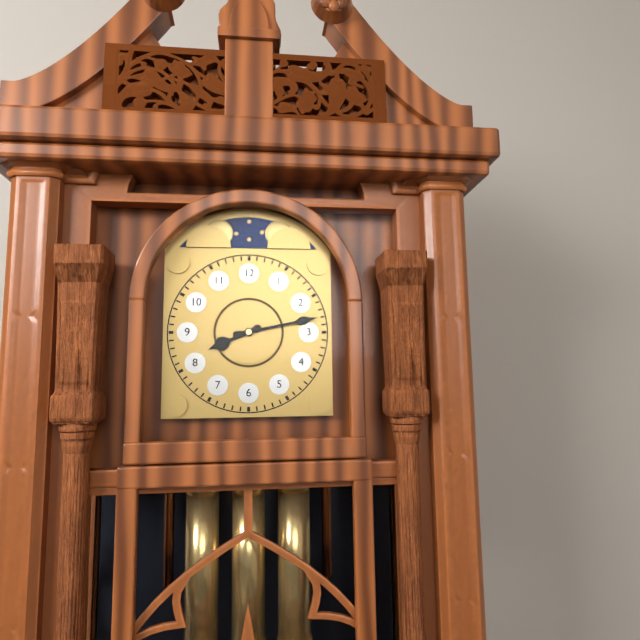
8:13
